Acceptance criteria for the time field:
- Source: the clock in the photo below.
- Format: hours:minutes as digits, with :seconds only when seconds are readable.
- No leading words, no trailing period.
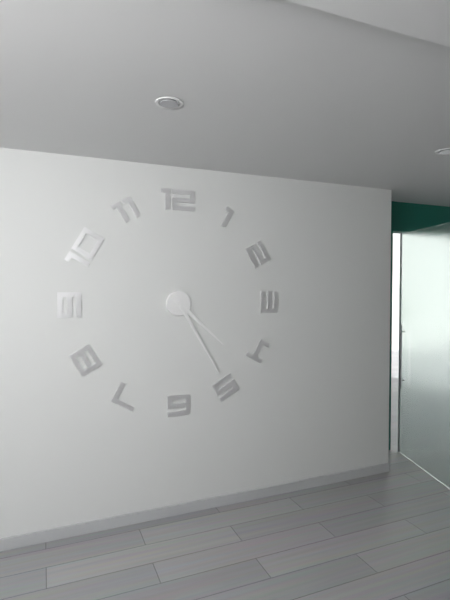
4:25
